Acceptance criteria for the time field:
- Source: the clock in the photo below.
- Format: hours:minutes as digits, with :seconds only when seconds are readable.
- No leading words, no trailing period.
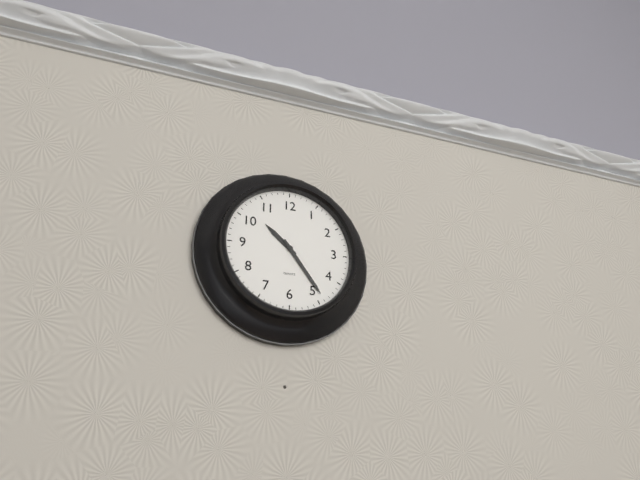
10:24
